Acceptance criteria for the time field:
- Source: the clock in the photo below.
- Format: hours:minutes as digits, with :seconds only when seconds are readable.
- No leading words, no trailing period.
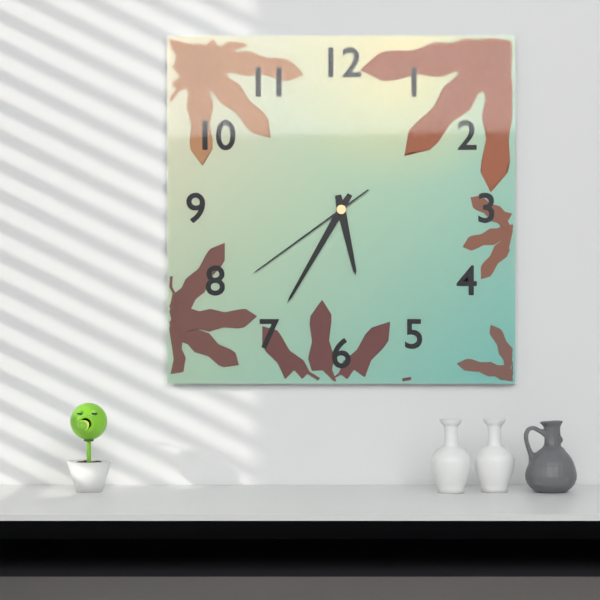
5:35:39
